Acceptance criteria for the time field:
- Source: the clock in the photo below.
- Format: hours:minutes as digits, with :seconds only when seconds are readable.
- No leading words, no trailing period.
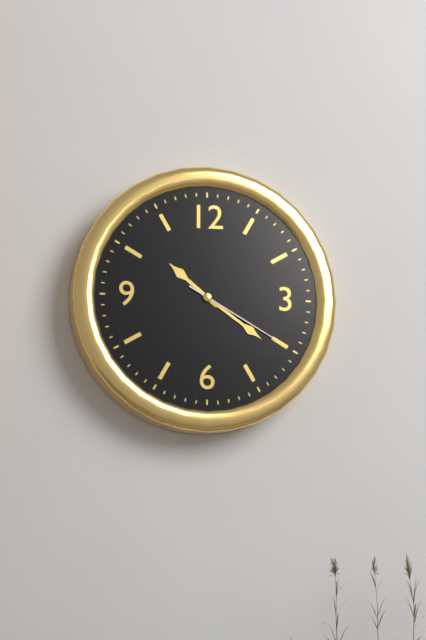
10:21:20
